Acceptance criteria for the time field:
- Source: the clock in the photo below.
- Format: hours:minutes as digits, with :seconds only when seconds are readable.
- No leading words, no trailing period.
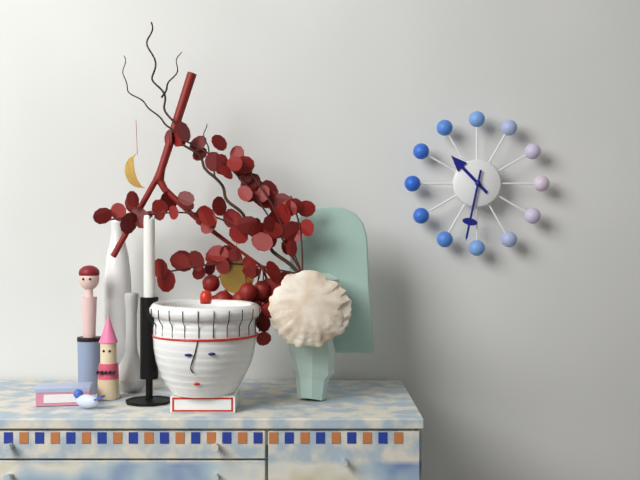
10:32
